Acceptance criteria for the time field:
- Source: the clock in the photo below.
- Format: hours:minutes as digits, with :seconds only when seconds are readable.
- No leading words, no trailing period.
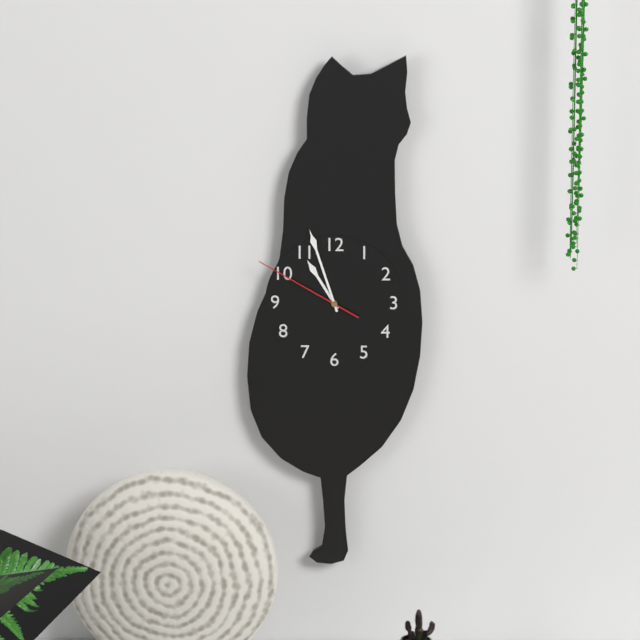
10:57:50
